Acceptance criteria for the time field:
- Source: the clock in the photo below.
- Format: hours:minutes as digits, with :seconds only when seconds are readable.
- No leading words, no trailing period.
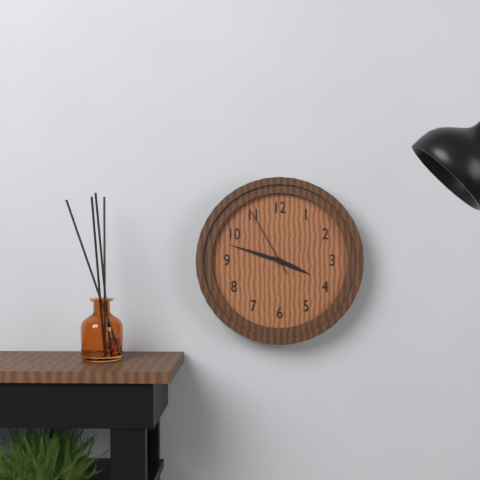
3:48:55
